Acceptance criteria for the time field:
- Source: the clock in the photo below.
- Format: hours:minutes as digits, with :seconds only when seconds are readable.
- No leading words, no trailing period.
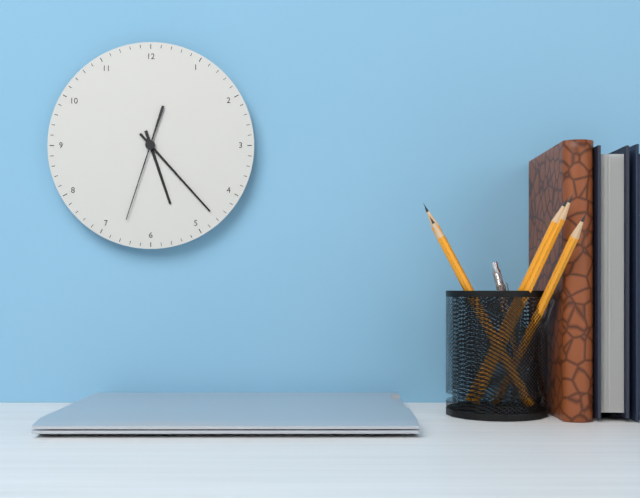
5:23:33
